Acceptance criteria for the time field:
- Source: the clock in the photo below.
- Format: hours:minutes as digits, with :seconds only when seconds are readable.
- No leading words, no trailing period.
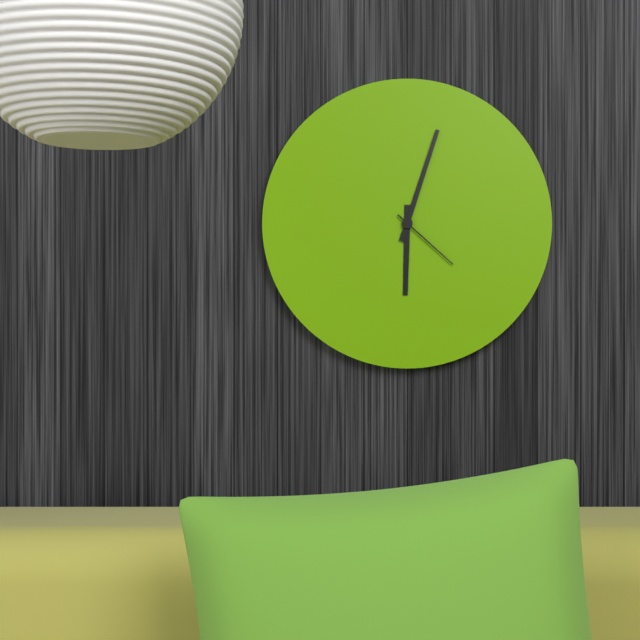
6:03:22
